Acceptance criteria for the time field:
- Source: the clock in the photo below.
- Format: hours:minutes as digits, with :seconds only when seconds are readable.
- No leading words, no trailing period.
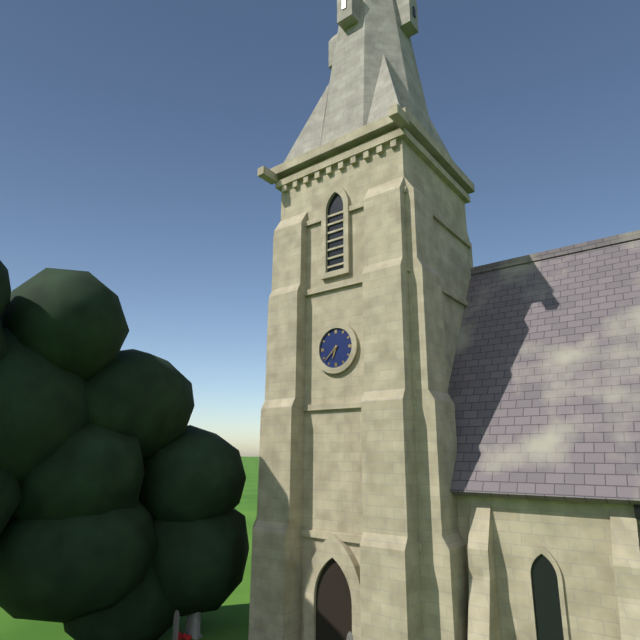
6:38
